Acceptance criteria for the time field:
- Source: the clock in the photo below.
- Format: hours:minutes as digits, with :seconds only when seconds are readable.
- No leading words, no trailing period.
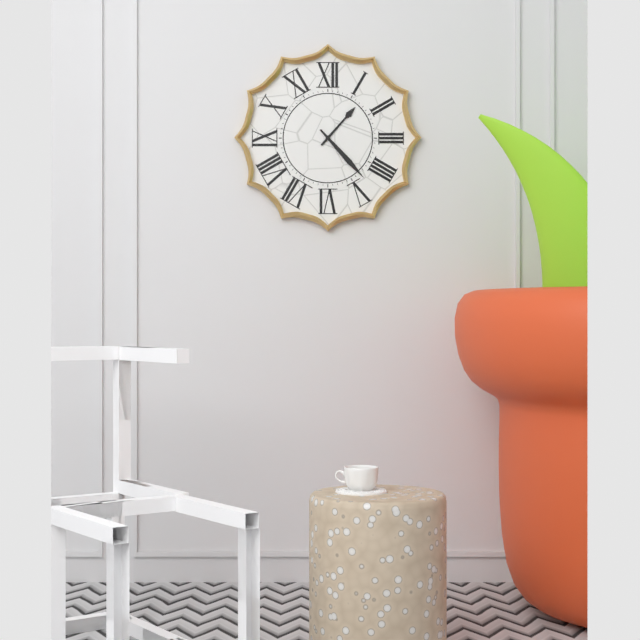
1:23
